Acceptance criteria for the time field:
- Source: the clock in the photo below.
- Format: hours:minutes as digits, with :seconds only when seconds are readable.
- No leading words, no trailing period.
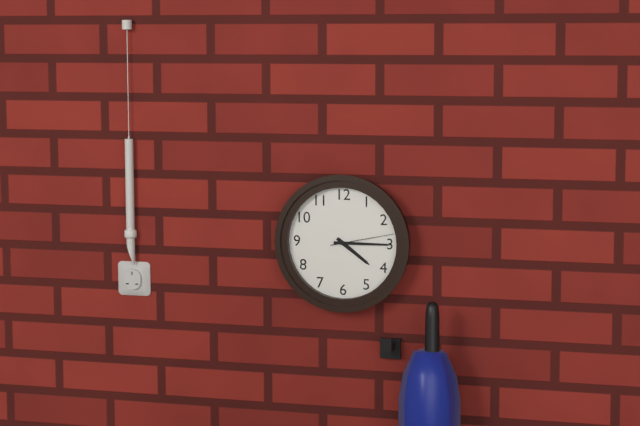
4:15:13
